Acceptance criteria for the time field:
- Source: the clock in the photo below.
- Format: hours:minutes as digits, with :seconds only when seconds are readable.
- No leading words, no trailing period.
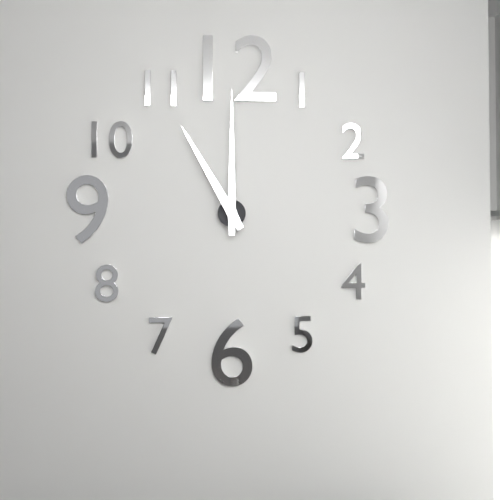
11:00
